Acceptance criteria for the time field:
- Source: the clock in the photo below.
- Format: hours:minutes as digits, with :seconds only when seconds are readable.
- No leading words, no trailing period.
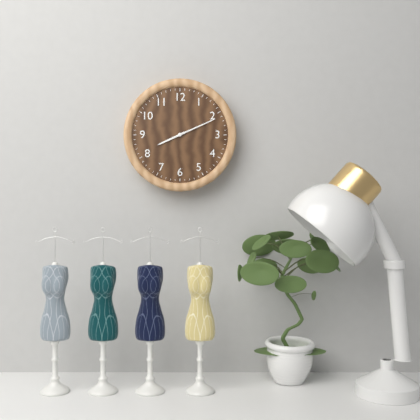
8:11
